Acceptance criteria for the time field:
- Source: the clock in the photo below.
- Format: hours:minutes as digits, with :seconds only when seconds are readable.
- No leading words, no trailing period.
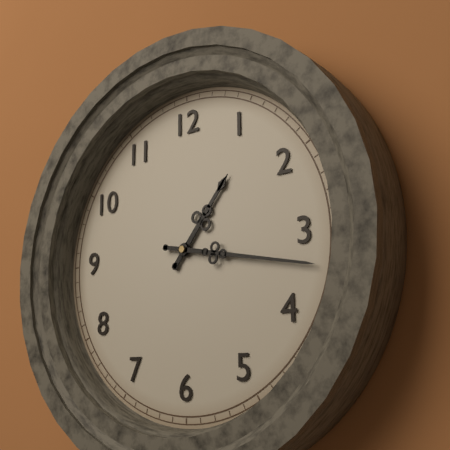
1:17
